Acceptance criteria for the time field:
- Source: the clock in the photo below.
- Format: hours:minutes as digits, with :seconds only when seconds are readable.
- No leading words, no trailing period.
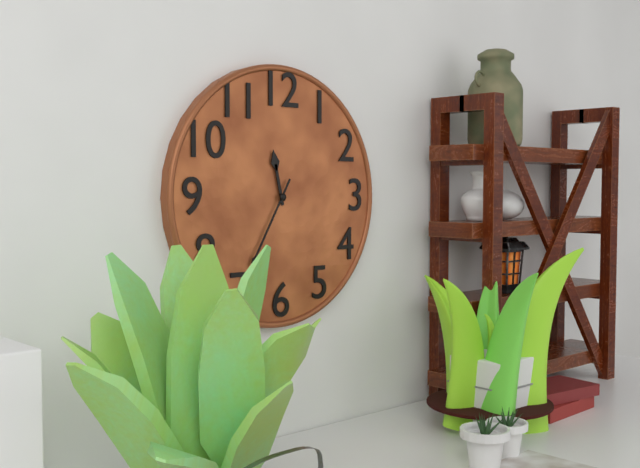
11:35
